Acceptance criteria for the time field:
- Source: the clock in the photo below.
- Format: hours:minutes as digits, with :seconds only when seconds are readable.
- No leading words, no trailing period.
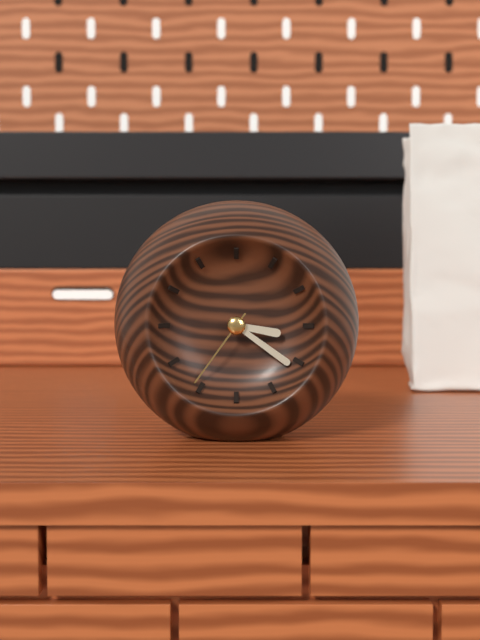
3:21:36
